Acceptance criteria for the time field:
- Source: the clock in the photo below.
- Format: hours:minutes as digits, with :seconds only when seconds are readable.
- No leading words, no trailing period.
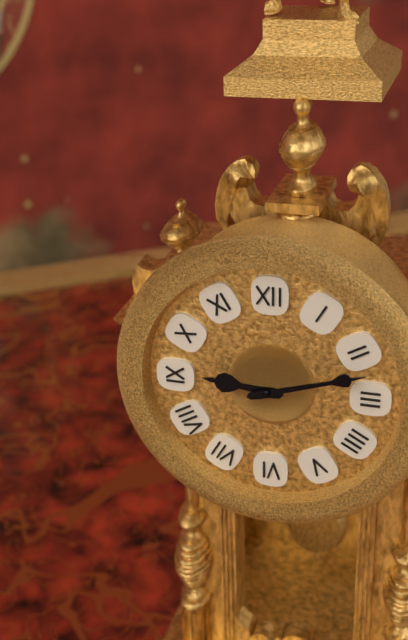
9:12
